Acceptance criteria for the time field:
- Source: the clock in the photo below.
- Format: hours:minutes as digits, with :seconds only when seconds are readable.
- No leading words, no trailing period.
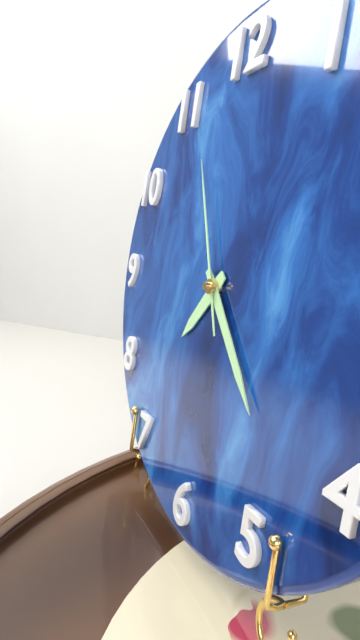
7:23:56
